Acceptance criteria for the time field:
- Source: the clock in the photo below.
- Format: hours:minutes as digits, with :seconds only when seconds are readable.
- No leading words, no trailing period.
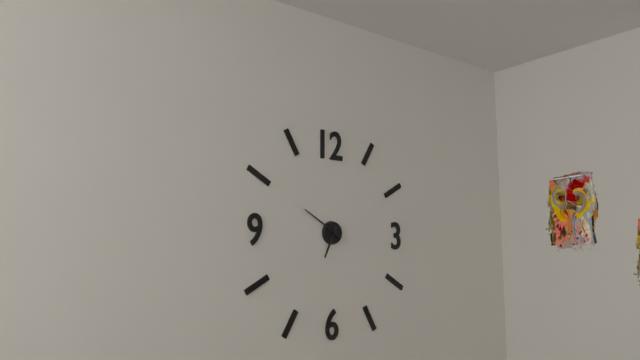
6:50
